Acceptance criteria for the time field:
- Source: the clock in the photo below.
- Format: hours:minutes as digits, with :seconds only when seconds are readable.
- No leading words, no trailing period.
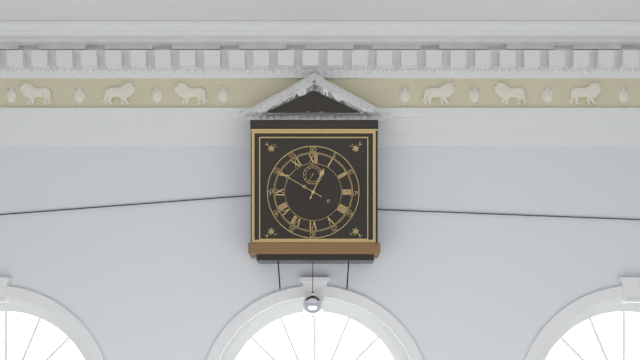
12:50
